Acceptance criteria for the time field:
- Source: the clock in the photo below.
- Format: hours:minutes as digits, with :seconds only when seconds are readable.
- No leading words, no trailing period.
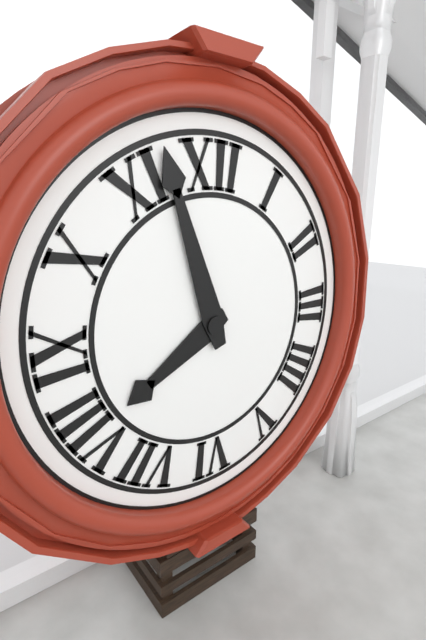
7:57
